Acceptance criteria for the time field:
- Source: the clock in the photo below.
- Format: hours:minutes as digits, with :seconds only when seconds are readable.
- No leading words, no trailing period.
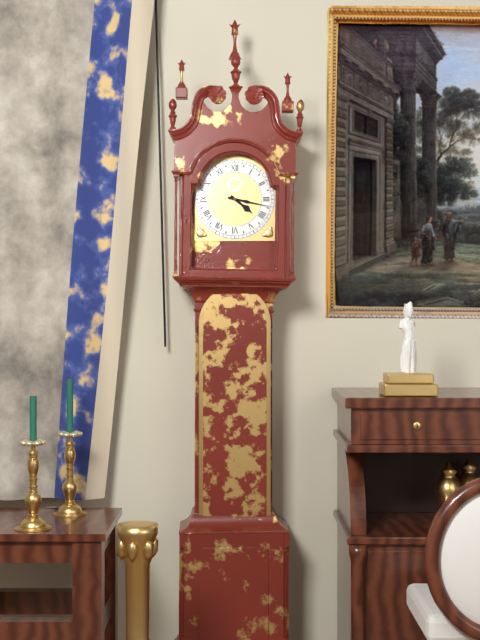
4:17
